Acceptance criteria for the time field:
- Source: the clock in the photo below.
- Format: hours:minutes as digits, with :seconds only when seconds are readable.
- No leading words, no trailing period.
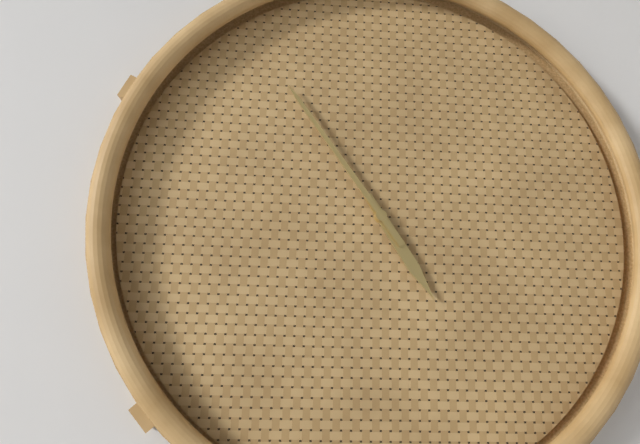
4:54
